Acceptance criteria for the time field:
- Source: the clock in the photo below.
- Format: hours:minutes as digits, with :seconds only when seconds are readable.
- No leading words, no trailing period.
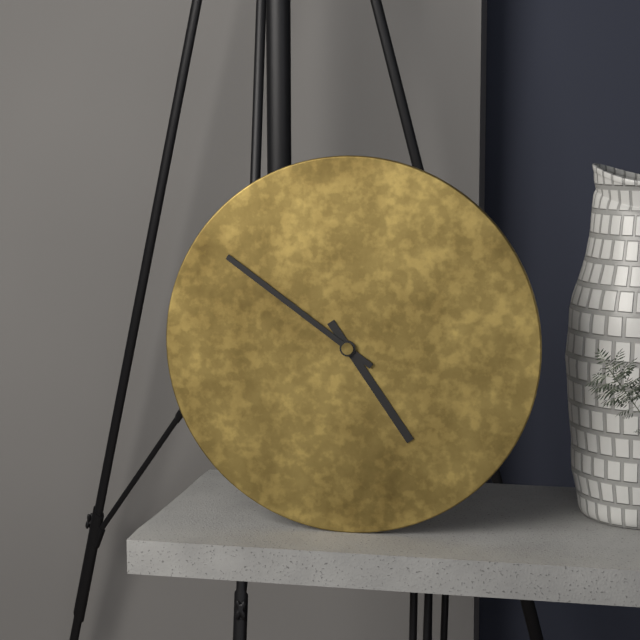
4:51
